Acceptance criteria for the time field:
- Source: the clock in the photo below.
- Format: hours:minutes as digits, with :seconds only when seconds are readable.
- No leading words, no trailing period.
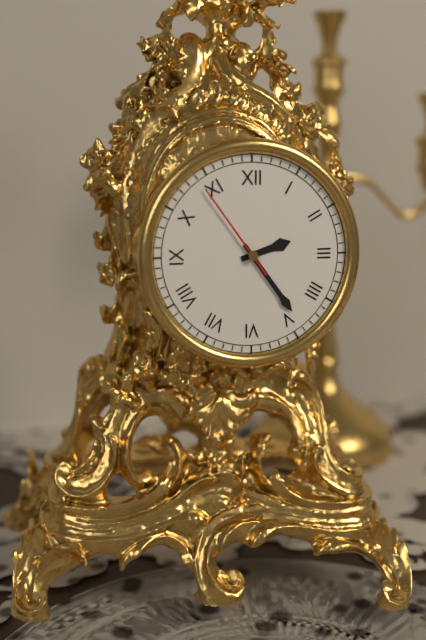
2:24:54
